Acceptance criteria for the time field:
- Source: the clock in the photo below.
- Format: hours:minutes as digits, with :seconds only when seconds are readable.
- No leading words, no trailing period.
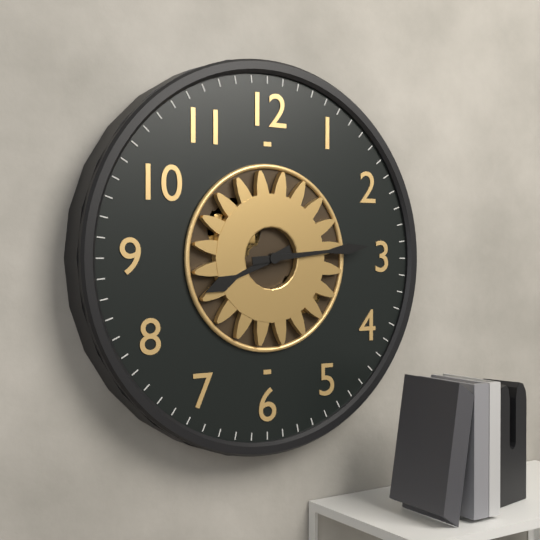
8:14
